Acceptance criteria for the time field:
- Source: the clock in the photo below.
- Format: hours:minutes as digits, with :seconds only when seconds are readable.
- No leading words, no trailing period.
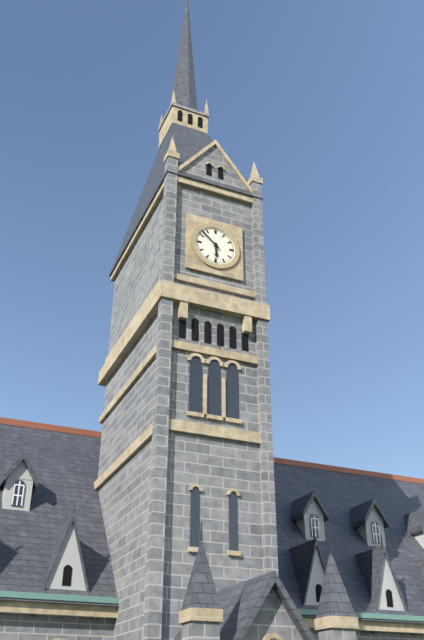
5:52
